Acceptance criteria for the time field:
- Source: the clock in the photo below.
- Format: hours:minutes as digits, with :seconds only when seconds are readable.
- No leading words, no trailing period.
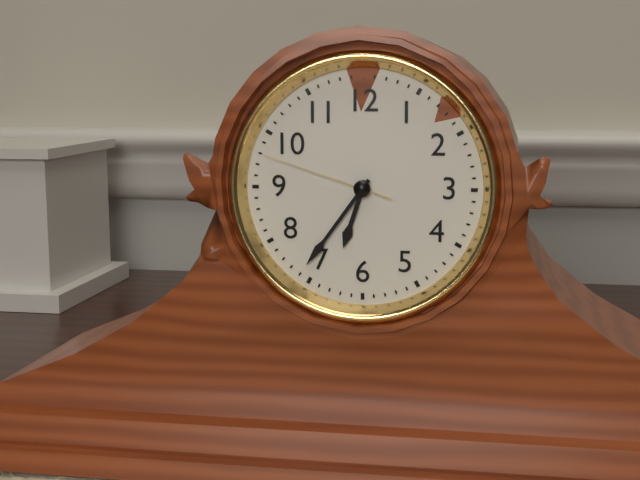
6:36:48
